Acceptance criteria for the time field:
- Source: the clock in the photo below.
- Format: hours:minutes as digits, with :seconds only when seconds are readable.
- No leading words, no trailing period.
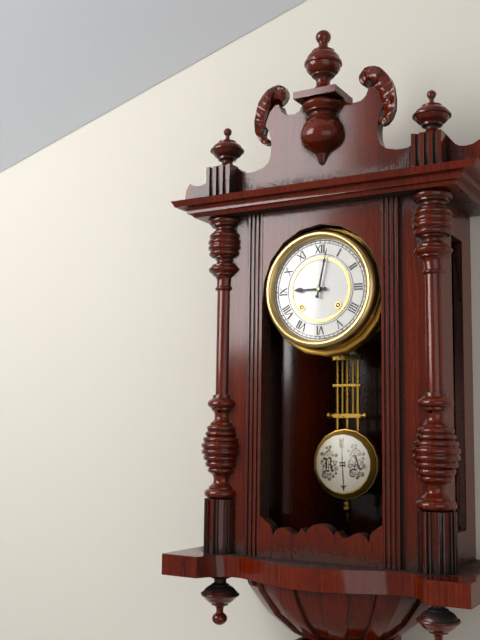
9:02
